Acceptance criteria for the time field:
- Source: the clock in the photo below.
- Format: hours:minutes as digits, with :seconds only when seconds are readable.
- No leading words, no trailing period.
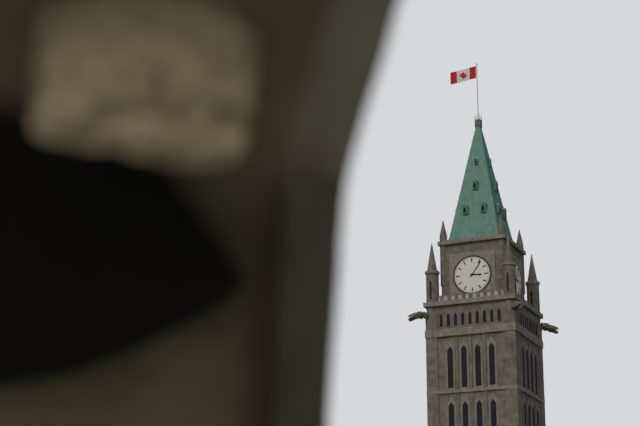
3:06
